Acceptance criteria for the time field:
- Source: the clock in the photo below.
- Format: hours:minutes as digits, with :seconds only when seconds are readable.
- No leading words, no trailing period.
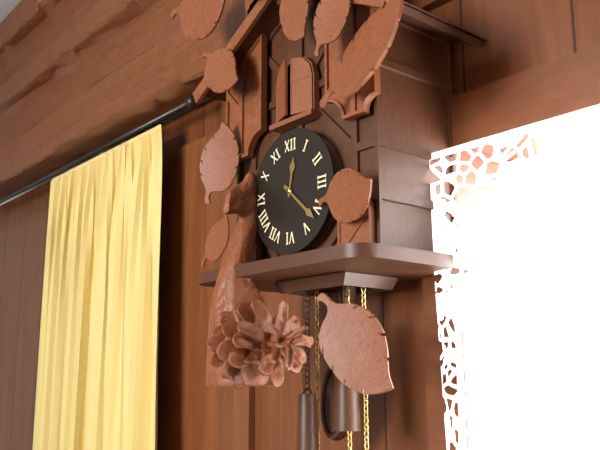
12:22
